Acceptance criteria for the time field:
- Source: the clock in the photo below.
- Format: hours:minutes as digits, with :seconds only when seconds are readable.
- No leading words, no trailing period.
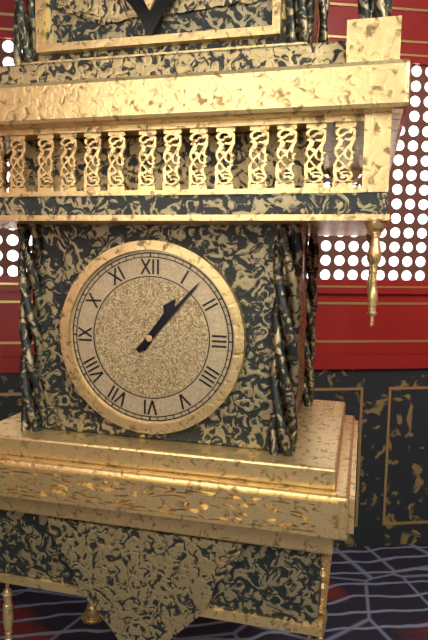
1:07
